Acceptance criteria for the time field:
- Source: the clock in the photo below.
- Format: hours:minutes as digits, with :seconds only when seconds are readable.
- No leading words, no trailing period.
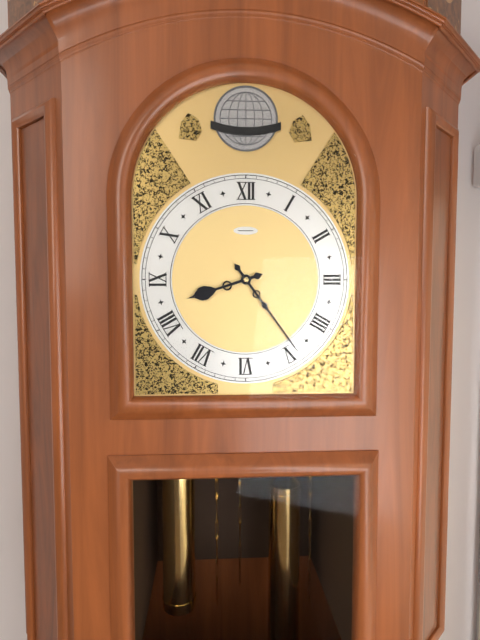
8:24
